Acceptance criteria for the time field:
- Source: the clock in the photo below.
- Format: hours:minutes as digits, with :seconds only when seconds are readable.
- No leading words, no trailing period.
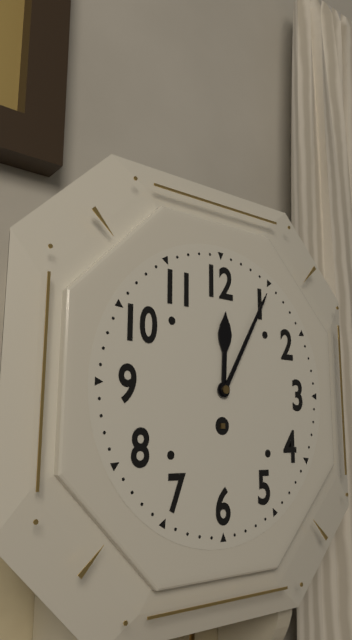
12:05
